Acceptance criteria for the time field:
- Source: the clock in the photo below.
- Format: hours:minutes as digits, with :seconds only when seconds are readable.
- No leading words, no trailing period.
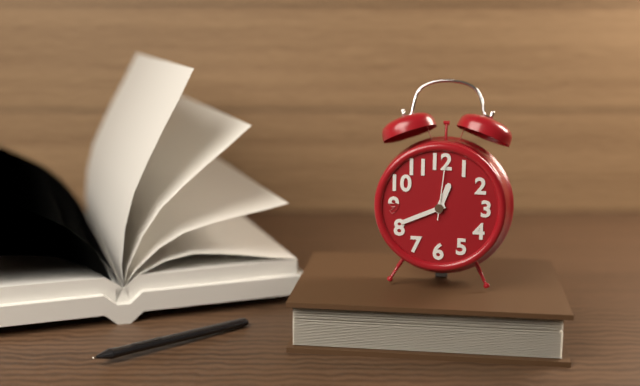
12:41:01
